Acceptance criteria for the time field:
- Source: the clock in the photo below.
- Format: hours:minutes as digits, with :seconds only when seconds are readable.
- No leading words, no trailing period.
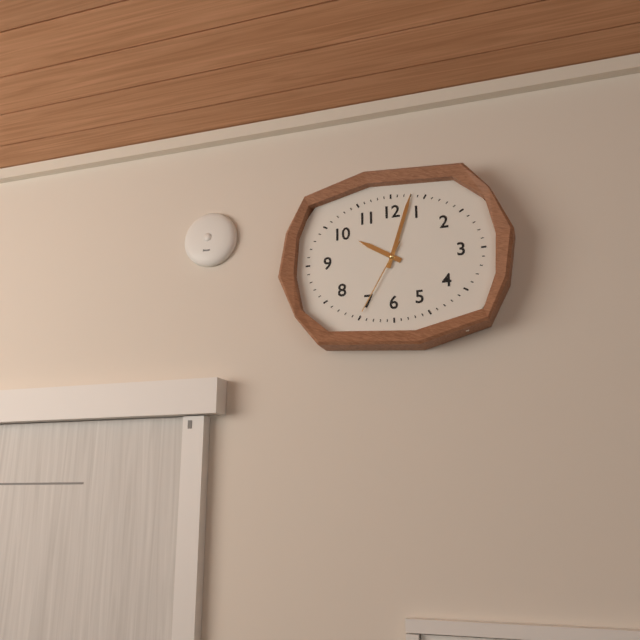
10:03:35
